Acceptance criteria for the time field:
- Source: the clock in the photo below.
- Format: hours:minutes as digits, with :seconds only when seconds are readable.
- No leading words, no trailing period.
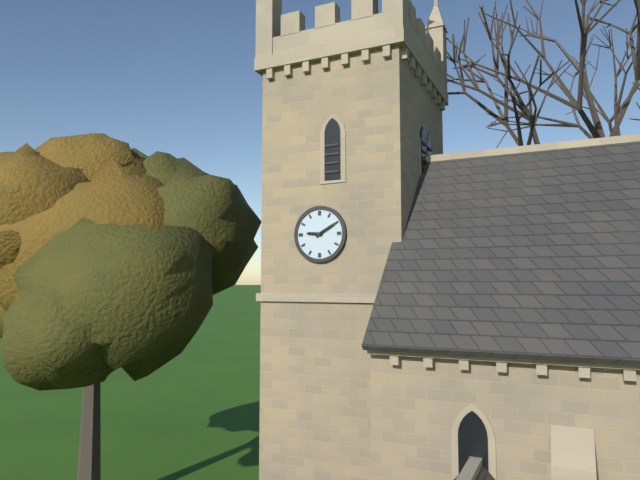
9:10
